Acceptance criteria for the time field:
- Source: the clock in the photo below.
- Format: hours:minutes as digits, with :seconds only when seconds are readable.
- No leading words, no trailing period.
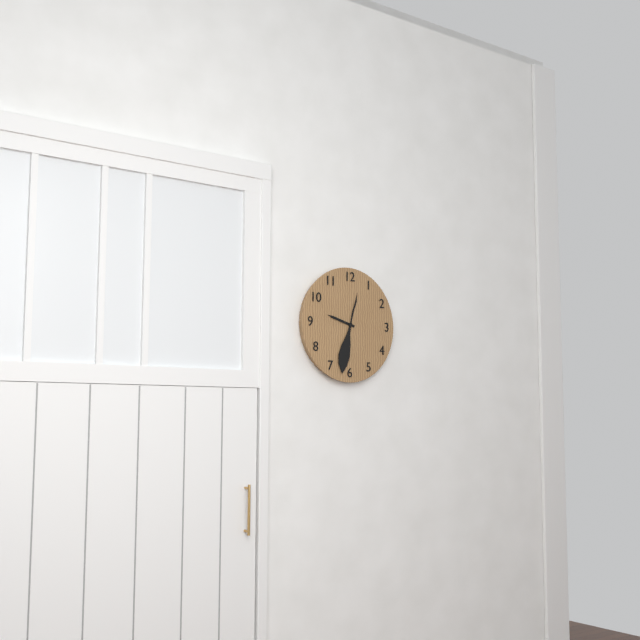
9:32
